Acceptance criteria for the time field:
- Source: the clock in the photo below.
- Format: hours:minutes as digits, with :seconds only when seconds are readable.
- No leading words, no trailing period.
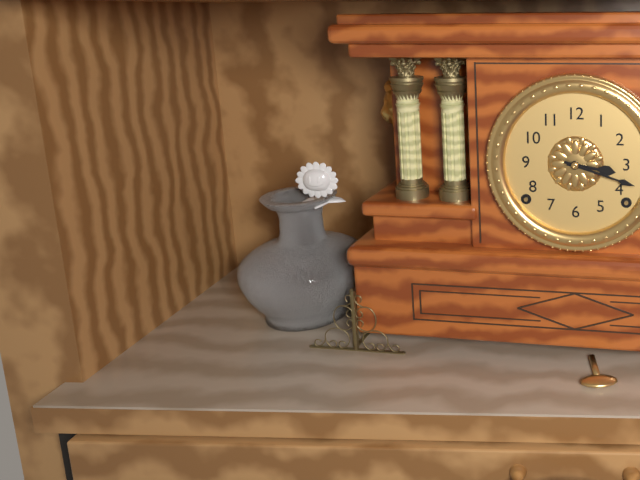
3:18
